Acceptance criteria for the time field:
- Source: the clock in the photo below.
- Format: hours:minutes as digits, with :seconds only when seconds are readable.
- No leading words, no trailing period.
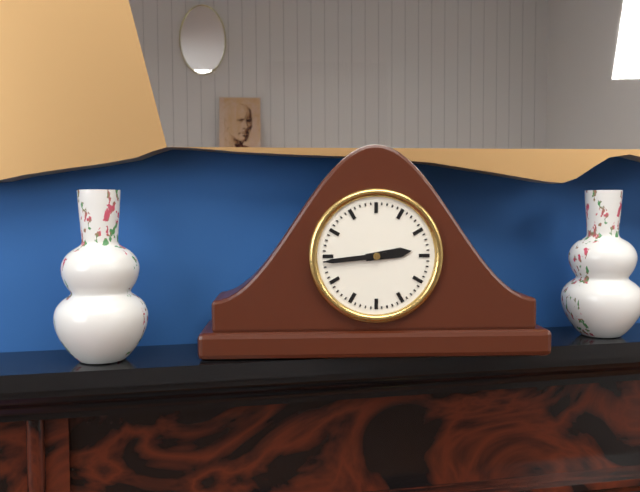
2:44
